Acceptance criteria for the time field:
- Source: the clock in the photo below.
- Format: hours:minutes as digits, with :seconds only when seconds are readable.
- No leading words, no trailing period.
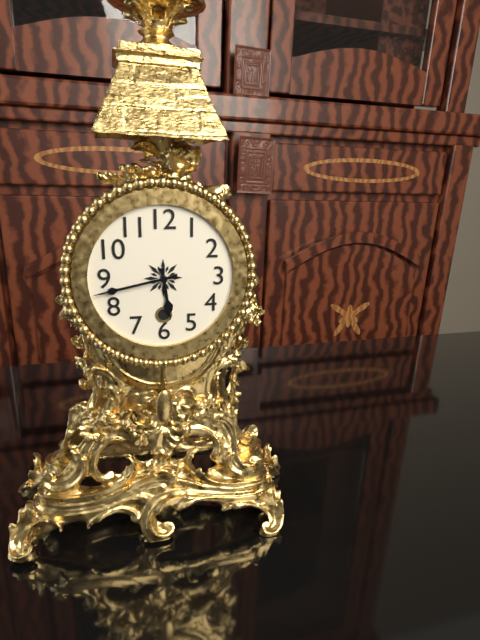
5:43
